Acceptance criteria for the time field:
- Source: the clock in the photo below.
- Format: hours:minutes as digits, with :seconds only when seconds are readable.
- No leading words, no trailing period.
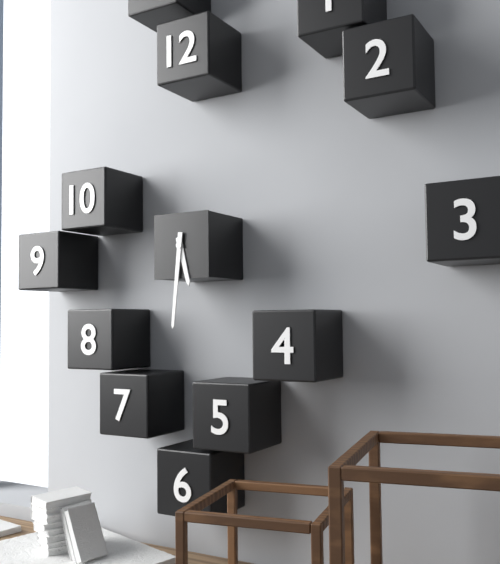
5:31
